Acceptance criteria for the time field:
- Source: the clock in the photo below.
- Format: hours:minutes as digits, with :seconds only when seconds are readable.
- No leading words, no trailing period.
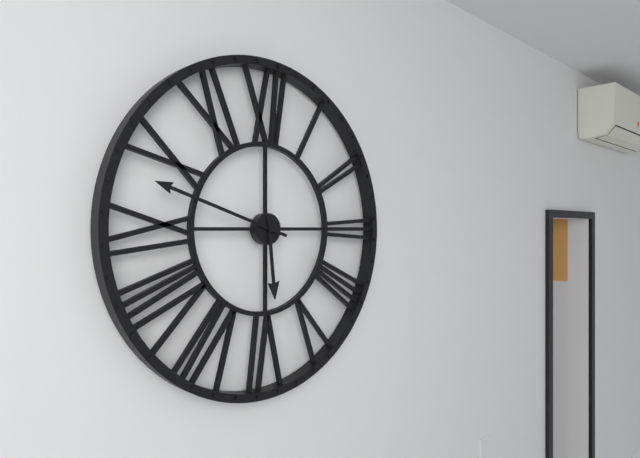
5:48
